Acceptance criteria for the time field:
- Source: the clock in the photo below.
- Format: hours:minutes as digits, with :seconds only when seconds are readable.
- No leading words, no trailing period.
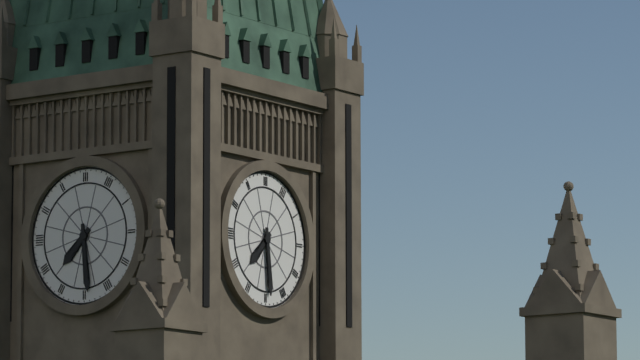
7:29
